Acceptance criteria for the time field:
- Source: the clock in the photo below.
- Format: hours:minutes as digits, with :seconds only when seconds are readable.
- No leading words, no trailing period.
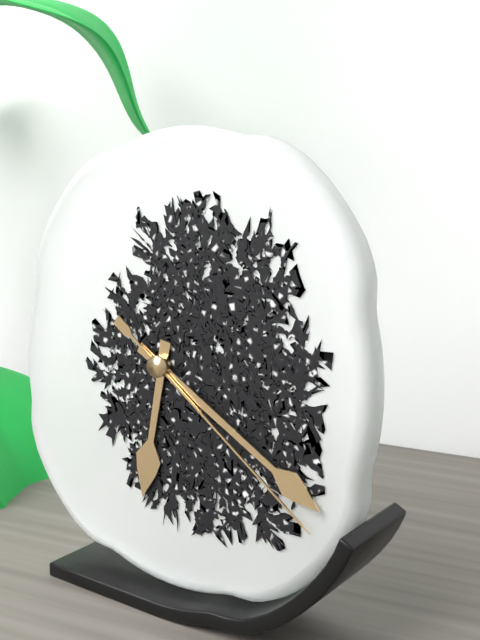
6:20:21
